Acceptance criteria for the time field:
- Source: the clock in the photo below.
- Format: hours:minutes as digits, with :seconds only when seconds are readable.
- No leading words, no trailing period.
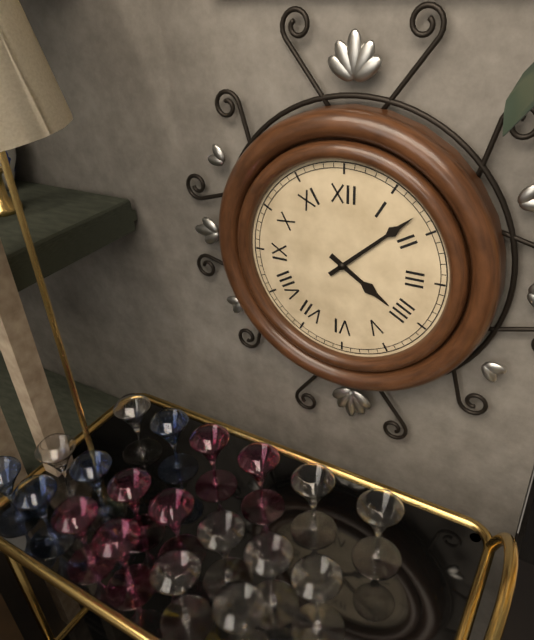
4:08
